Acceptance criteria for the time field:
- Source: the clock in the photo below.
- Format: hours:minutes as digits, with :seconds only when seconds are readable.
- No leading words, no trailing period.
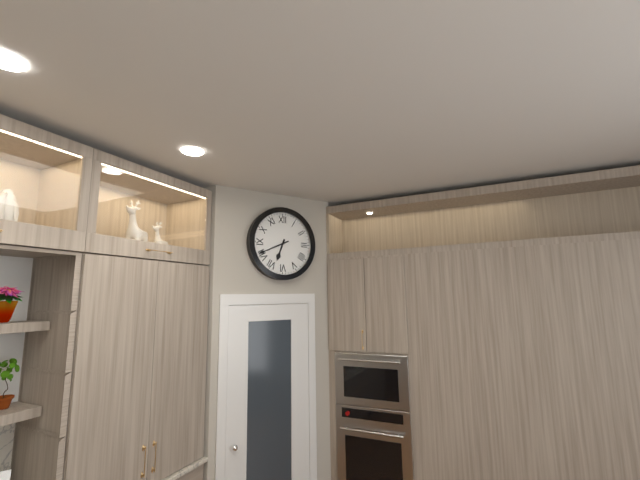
6:41
